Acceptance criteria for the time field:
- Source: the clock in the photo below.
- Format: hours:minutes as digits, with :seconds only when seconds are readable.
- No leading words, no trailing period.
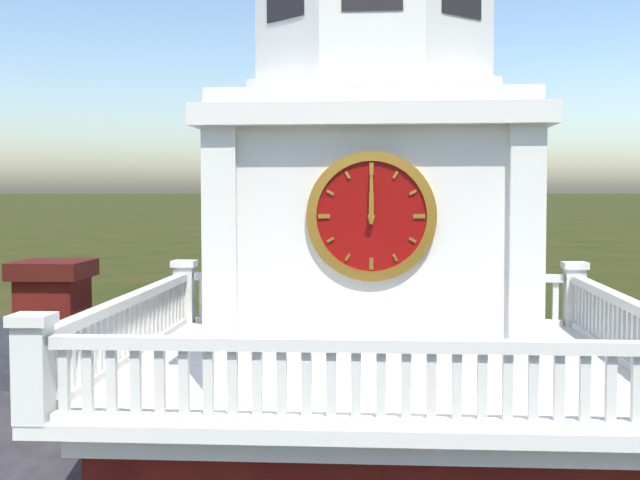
12:00
